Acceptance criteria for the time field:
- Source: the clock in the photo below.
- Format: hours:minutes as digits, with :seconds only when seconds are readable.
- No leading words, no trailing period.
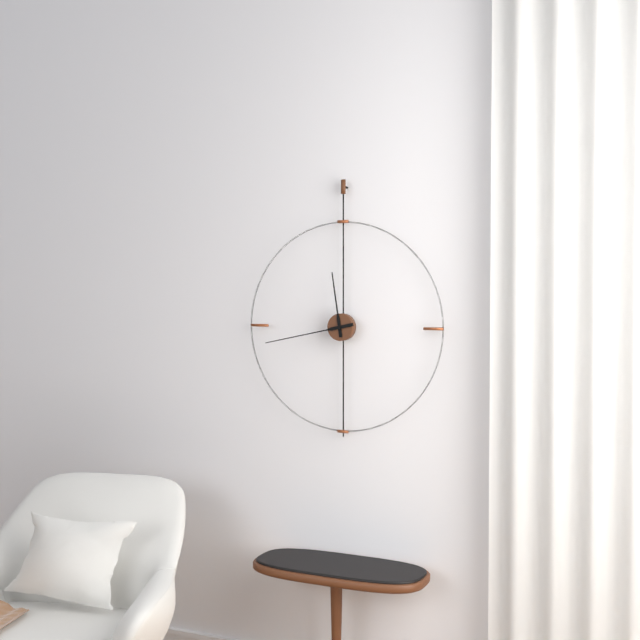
11:43
